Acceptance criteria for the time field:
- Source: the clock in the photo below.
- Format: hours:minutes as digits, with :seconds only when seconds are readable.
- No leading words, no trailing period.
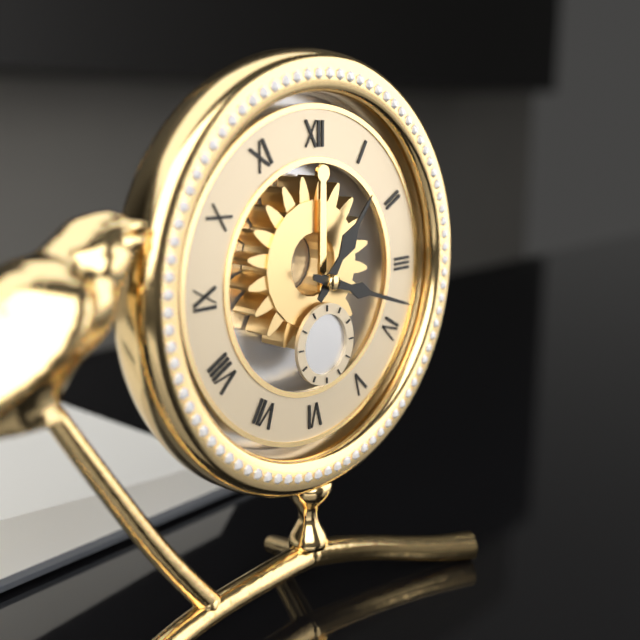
1:18
